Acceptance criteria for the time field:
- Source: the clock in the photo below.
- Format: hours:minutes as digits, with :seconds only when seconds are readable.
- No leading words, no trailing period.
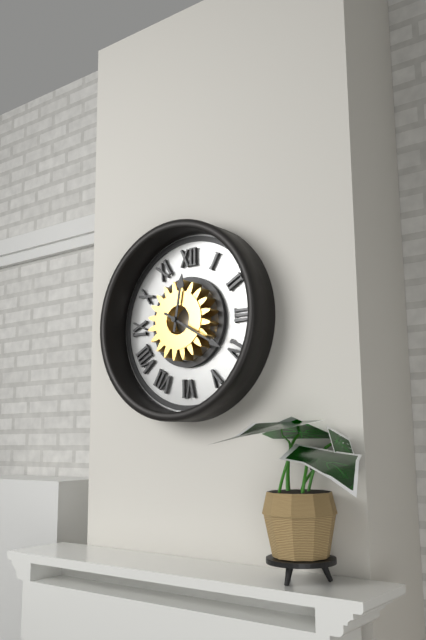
12:20
